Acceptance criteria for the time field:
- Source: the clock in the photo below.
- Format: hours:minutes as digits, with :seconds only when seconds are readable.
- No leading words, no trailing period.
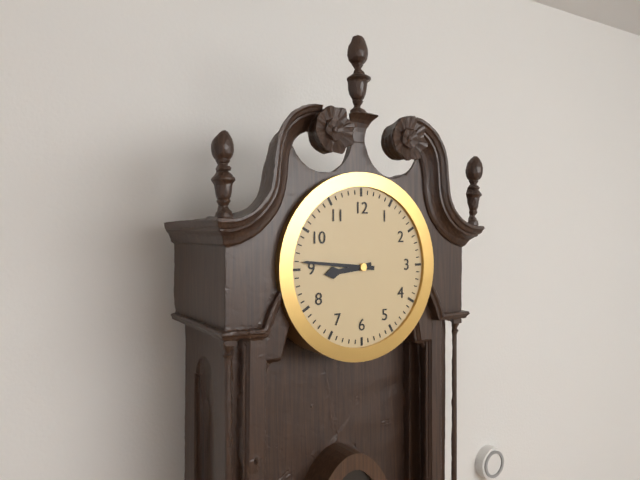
8:46
